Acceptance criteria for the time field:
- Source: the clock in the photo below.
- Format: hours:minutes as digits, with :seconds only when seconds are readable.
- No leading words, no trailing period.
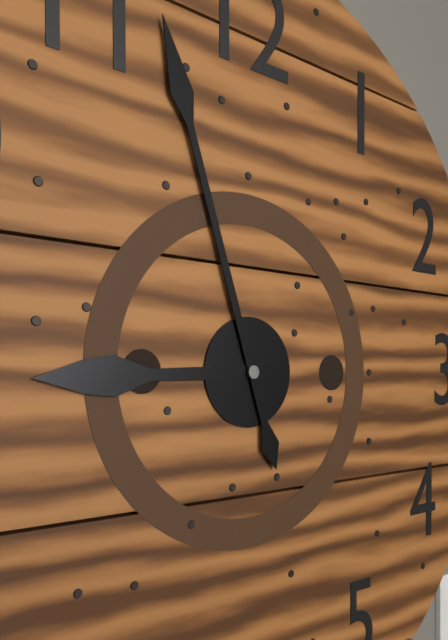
8:57
